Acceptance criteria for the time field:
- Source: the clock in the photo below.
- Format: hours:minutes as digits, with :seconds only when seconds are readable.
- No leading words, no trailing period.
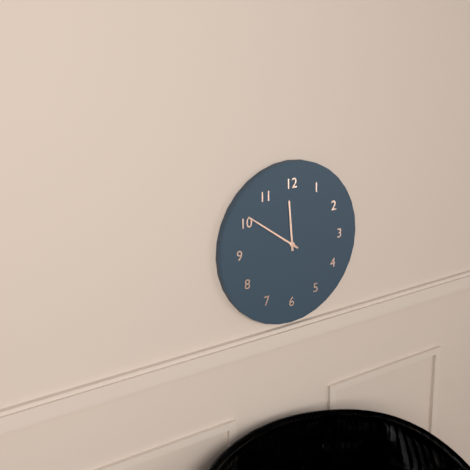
11:51
